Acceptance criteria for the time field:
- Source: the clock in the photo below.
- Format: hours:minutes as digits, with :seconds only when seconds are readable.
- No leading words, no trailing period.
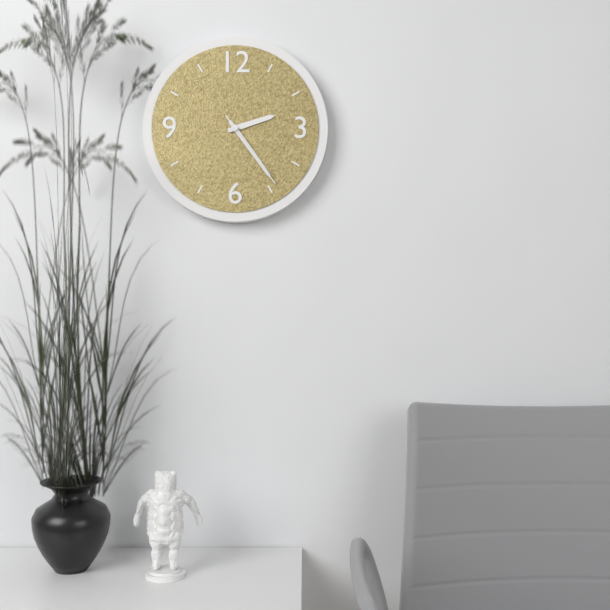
2:24:24
